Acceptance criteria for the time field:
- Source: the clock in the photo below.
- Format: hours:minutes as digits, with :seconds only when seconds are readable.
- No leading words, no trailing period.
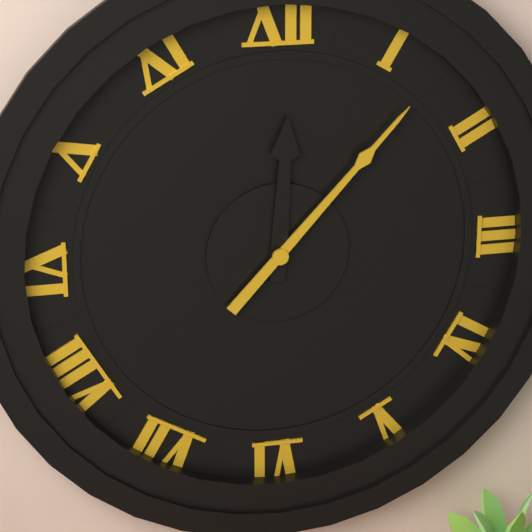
12:07
